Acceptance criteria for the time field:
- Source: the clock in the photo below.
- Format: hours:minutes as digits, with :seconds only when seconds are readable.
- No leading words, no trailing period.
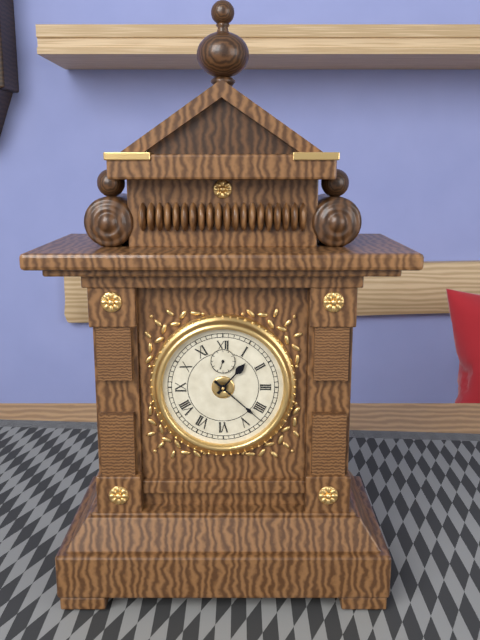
1:22
